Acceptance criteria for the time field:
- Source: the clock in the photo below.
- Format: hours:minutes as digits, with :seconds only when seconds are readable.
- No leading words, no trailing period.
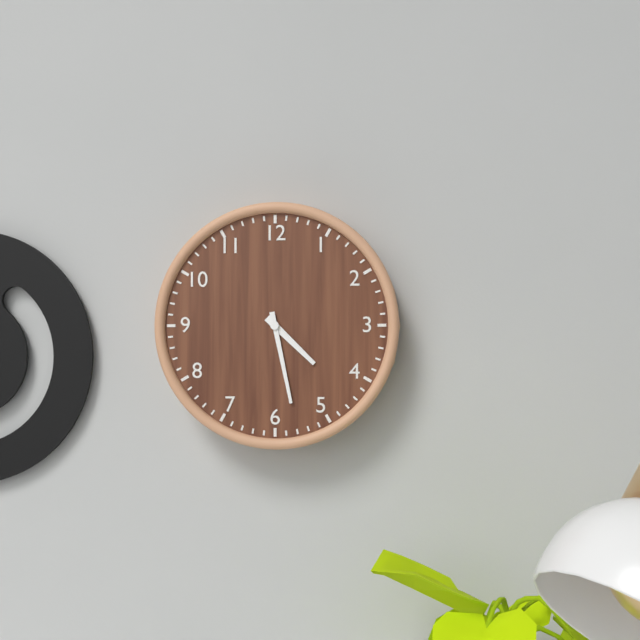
4:28
